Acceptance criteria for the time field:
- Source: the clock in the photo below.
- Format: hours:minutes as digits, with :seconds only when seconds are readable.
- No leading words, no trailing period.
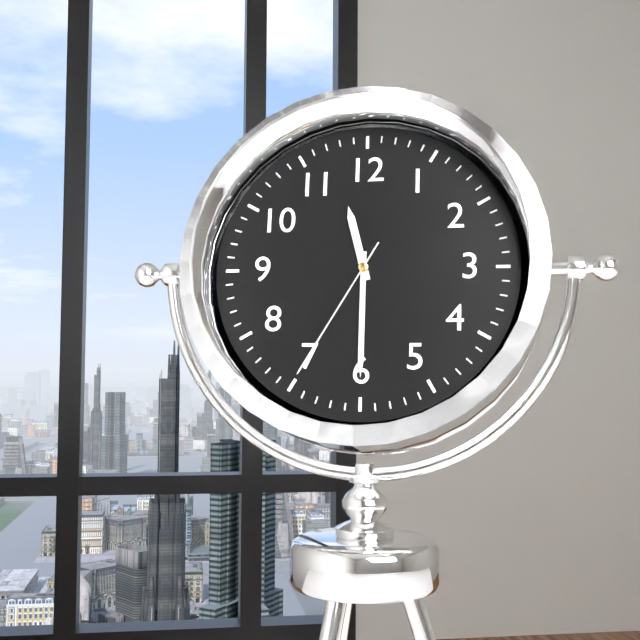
11:30:35
